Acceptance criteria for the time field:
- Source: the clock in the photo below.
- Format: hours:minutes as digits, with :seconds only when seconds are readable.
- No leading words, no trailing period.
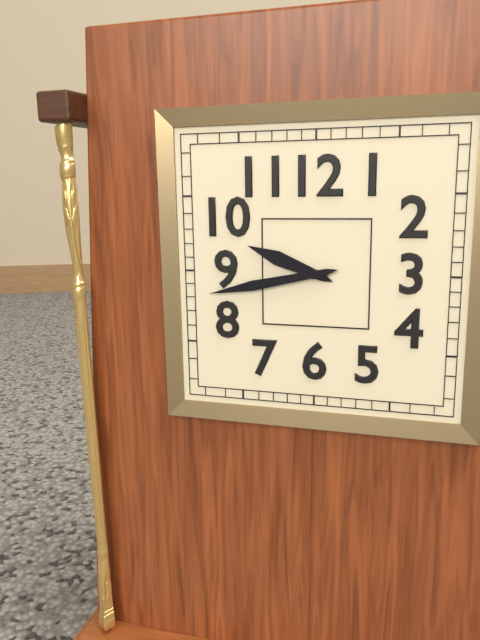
9:43
